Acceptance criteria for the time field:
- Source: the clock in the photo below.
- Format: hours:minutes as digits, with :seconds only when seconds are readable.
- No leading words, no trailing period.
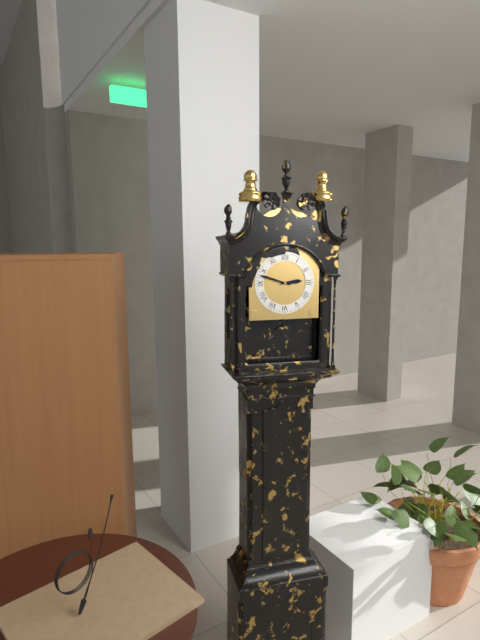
2:48
